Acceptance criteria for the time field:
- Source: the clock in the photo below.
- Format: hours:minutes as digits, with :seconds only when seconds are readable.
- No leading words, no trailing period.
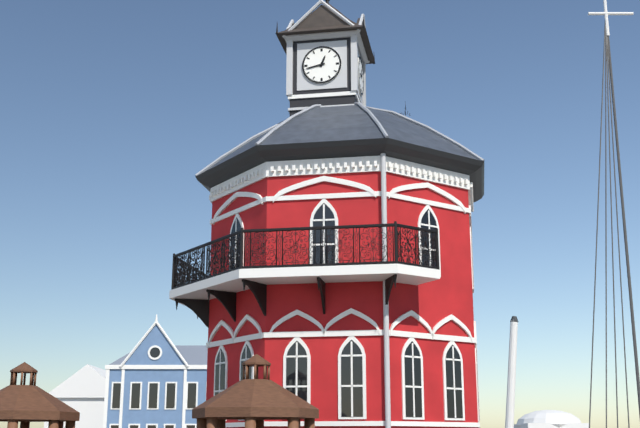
12:43
